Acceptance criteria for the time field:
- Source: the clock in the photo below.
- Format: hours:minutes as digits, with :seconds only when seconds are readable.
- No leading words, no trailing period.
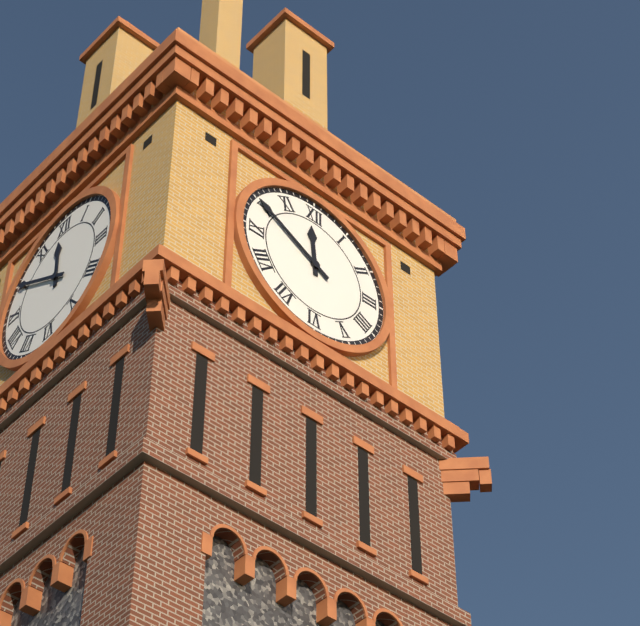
11:50
